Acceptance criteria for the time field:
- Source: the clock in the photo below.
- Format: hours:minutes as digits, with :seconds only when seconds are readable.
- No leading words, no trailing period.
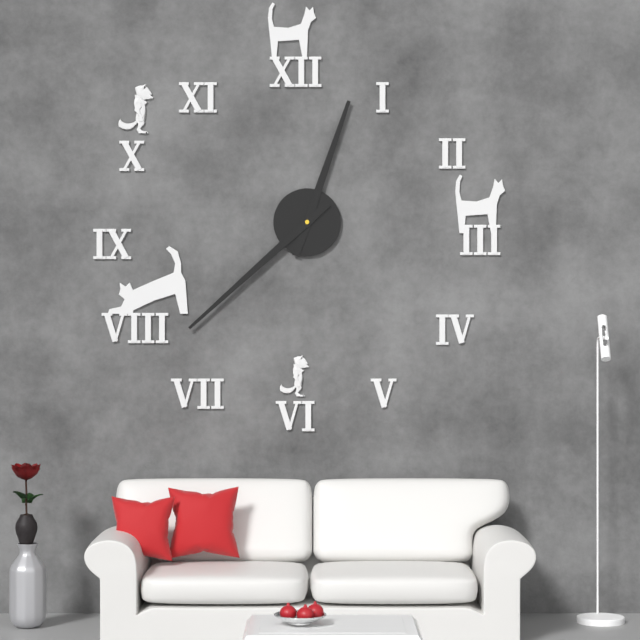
12:38
